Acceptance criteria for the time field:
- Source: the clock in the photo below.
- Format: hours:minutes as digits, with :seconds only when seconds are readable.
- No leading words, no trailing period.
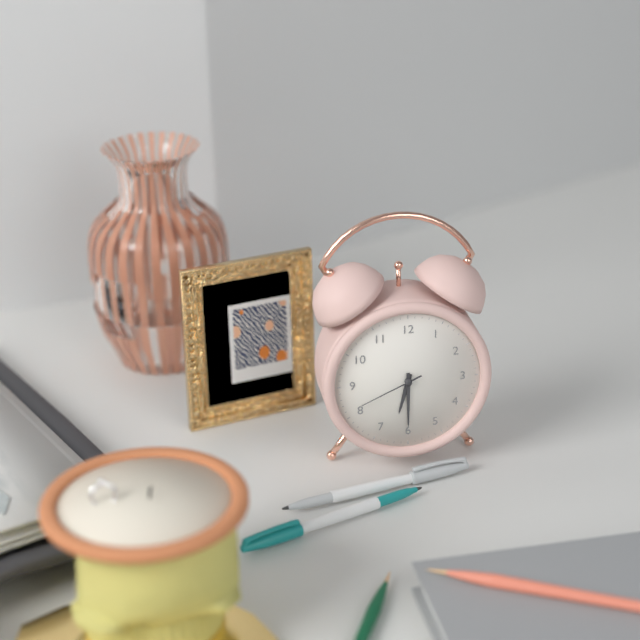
6:30:41
